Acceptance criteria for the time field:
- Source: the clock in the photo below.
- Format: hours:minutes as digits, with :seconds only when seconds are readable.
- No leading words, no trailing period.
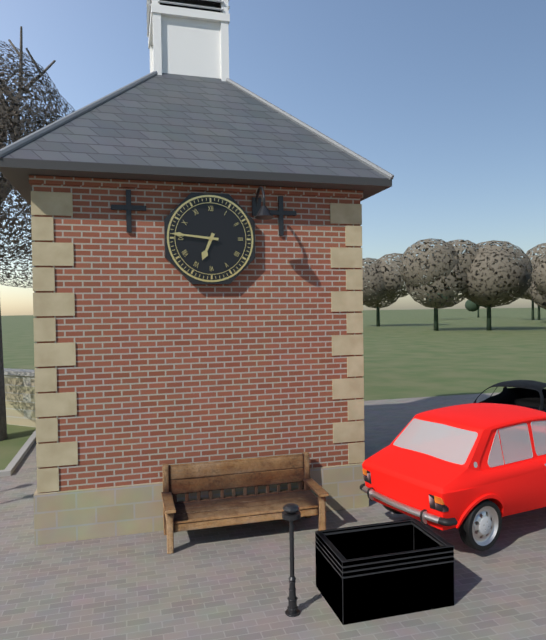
6:46
